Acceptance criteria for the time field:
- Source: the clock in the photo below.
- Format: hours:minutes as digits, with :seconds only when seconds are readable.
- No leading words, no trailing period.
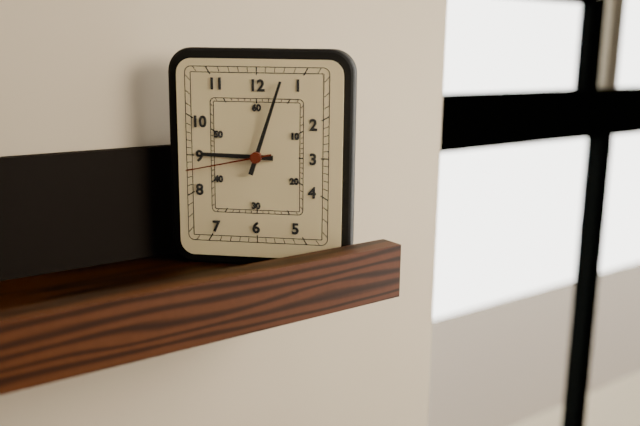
9:03:43
